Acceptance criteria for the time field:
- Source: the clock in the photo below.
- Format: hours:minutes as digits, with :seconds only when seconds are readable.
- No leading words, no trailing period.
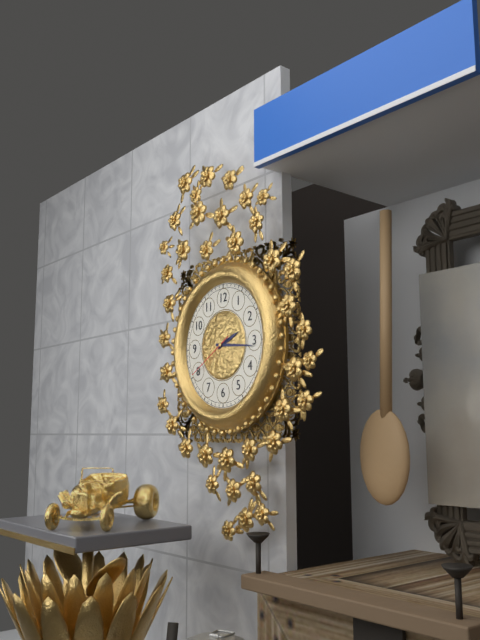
2:16:40
